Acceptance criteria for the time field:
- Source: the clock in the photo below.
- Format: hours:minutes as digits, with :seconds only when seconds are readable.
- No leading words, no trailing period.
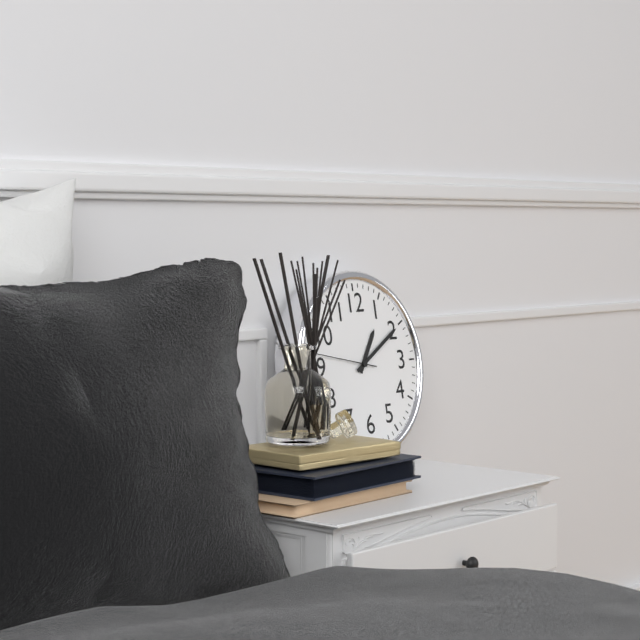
1:10:47
